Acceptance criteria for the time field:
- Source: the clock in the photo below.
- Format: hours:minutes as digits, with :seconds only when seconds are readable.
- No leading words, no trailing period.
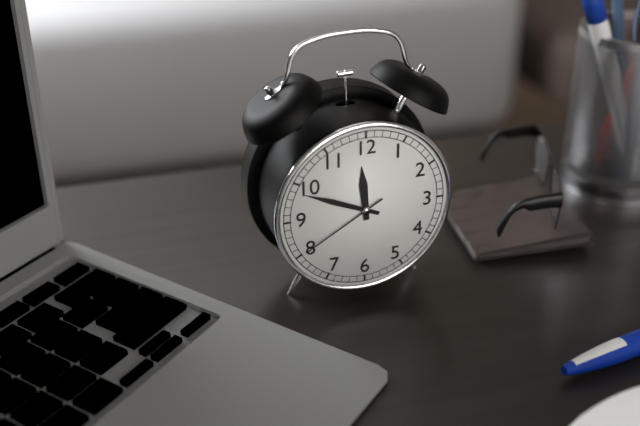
11:49:40
